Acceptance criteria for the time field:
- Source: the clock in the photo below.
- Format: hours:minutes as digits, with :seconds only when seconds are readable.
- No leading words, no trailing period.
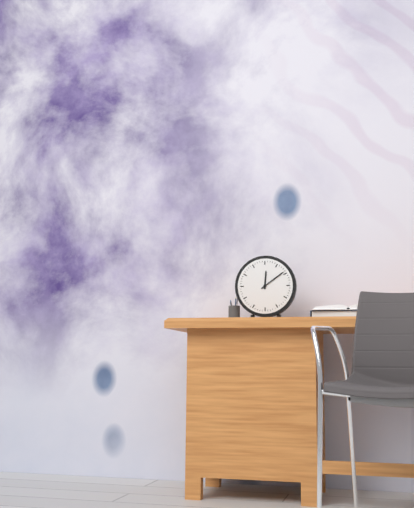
12:09
